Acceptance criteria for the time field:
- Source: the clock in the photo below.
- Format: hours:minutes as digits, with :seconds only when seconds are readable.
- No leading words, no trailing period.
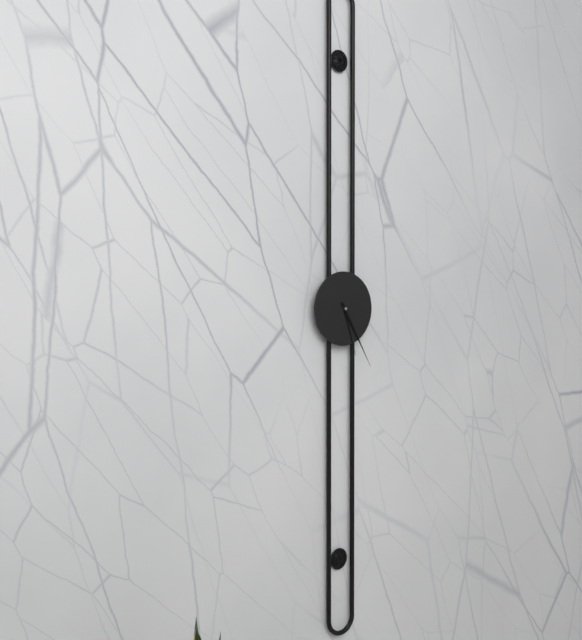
5:25
